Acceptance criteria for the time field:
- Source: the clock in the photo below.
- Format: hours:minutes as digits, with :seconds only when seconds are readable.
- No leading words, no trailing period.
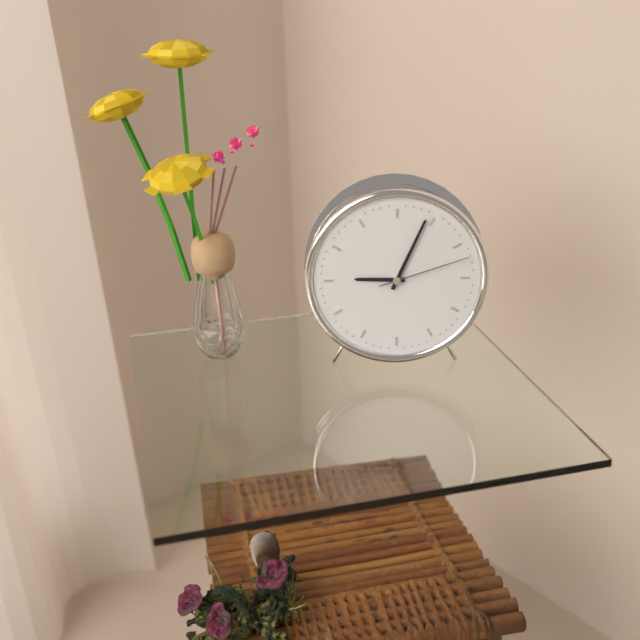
9:04:12
